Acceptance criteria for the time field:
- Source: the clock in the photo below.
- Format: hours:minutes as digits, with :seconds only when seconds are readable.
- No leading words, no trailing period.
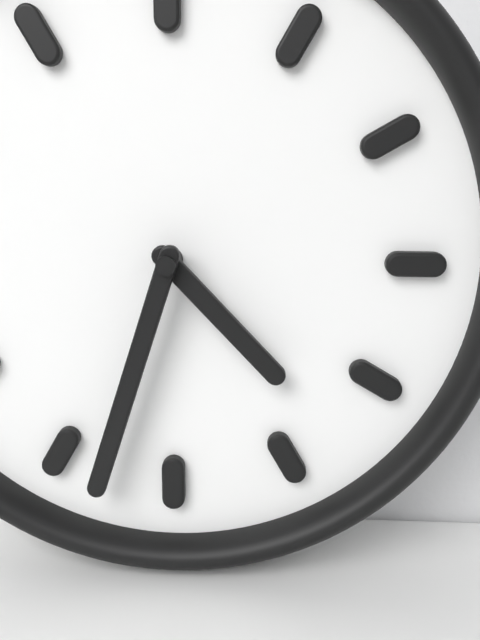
4:33
